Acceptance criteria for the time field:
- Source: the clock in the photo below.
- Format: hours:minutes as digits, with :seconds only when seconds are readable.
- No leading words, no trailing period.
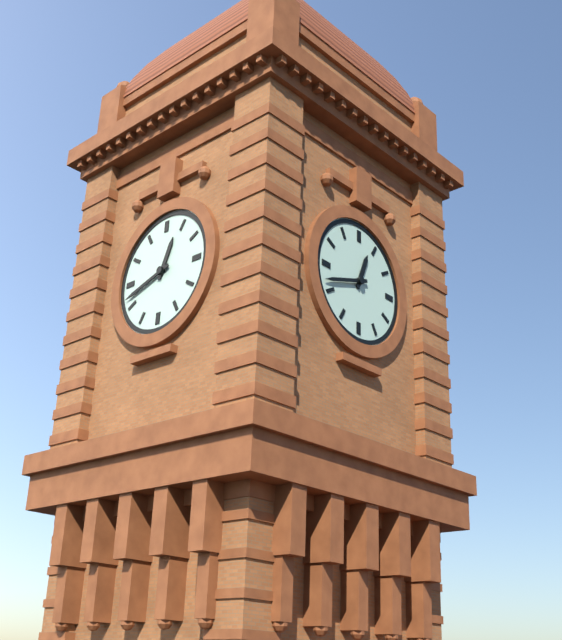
12:42
